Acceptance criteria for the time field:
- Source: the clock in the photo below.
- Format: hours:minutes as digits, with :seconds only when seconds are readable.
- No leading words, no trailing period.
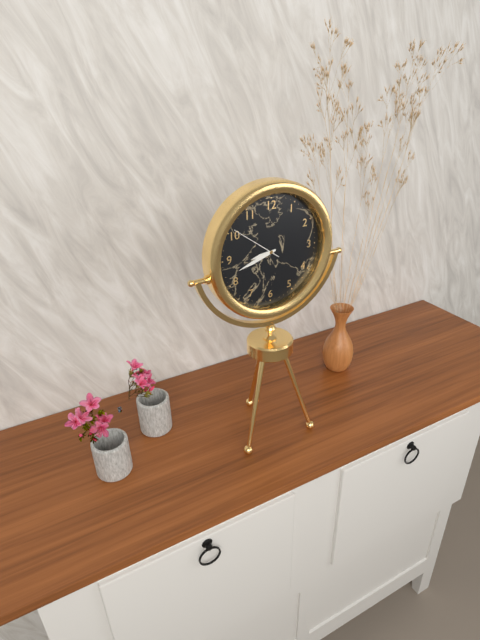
8:42:51
